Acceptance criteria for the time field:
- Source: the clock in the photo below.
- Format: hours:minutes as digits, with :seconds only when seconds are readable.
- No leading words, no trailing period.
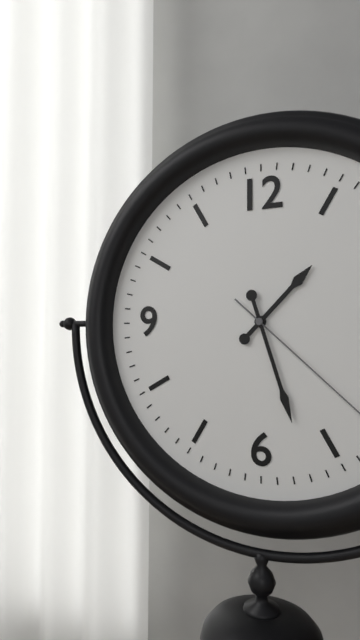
1:27
